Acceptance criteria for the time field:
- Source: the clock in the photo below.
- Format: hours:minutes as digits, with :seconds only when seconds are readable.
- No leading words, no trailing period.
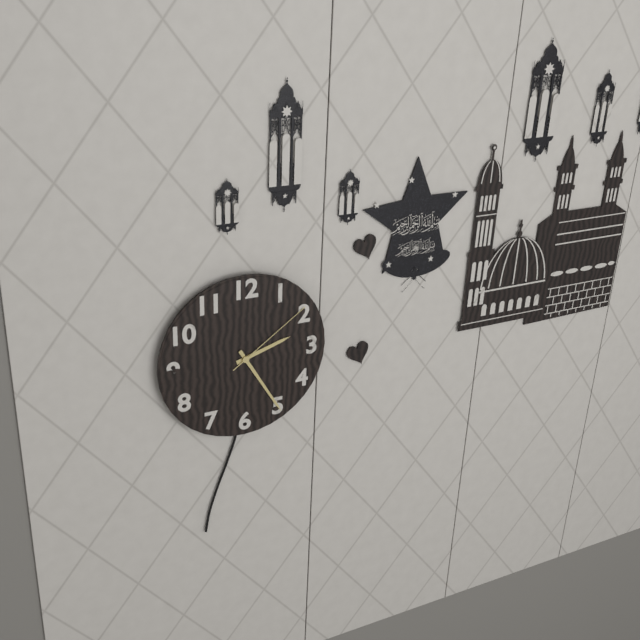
2:25:09
